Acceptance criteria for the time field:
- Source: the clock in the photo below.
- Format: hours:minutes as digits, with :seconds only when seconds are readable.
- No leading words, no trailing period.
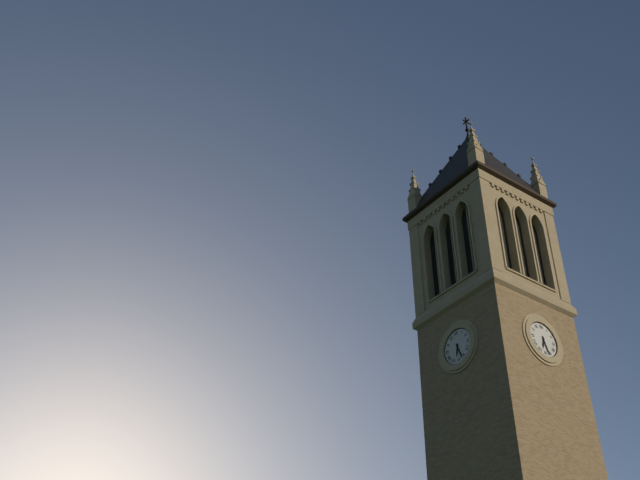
6:27
